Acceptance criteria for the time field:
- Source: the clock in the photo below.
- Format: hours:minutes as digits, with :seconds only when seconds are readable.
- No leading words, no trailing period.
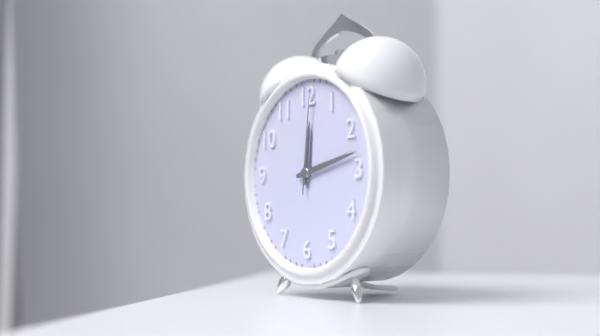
12:13:01
